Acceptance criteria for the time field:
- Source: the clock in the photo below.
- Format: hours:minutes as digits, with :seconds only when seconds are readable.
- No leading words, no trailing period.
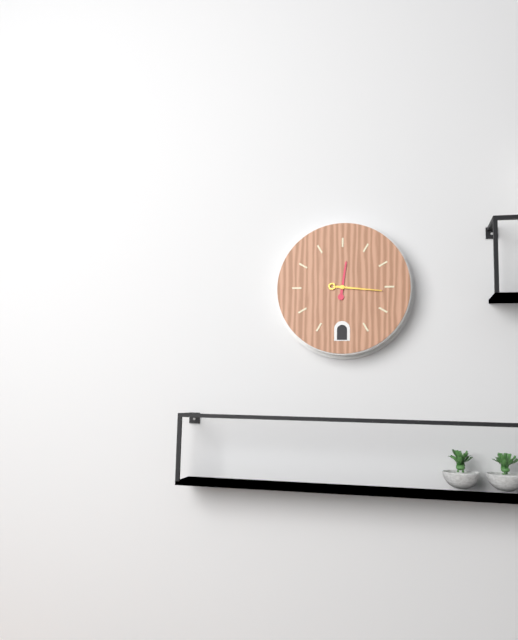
12:16
